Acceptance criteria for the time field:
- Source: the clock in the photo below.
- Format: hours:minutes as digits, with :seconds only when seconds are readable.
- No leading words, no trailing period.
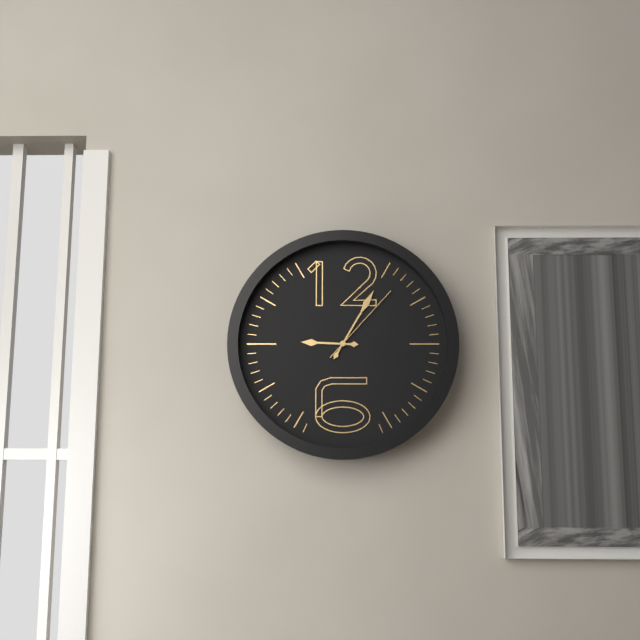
9:05:07
